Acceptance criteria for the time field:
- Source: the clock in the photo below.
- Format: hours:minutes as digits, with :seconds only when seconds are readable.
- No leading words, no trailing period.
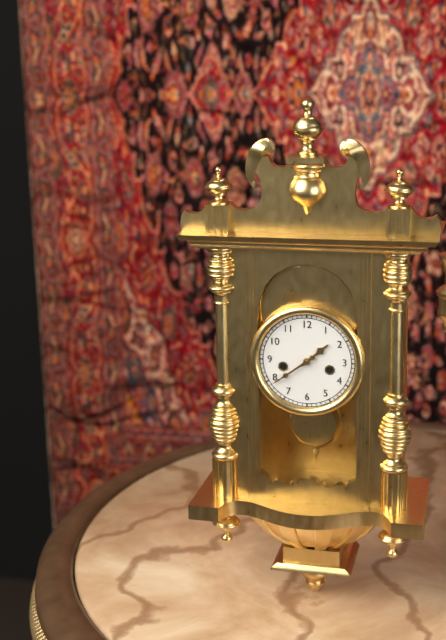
1:39
